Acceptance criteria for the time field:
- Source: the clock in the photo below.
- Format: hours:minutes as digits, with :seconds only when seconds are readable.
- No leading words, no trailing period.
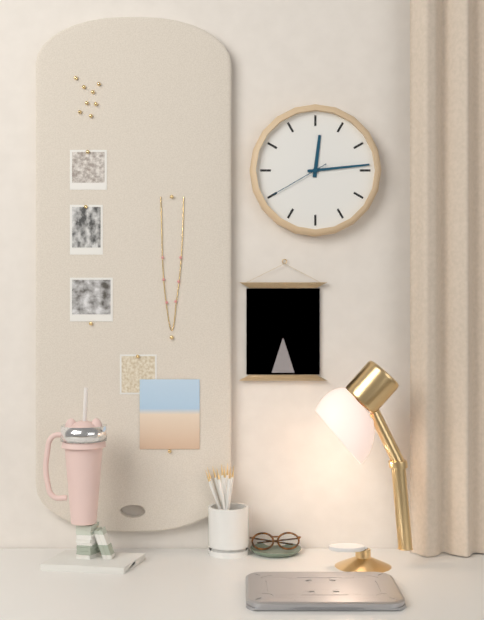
12:14:40
